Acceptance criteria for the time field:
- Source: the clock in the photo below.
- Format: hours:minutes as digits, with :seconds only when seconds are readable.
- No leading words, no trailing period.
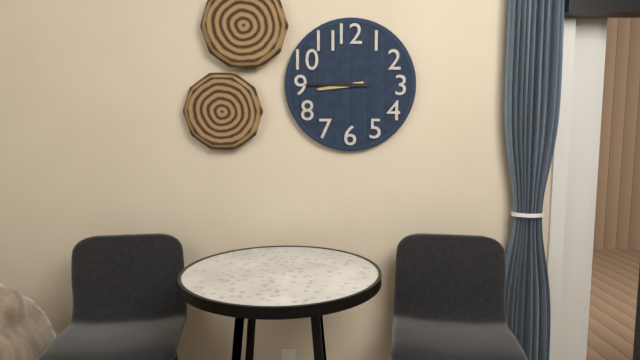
8:45
